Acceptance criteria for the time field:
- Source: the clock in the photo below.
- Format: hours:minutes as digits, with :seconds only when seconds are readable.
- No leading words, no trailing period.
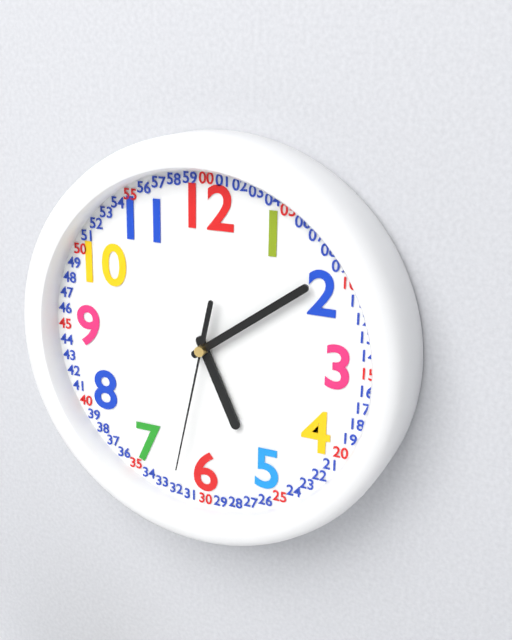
5:09:32
